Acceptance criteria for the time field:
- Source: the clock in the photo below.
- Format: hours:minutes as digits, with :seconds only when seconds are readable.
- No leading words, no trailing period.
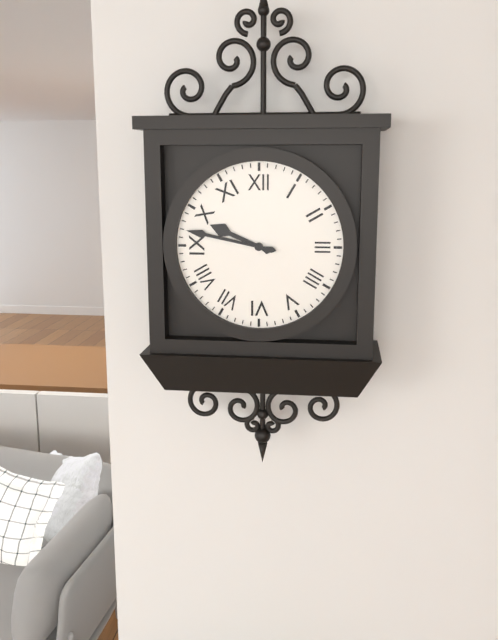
9:47
